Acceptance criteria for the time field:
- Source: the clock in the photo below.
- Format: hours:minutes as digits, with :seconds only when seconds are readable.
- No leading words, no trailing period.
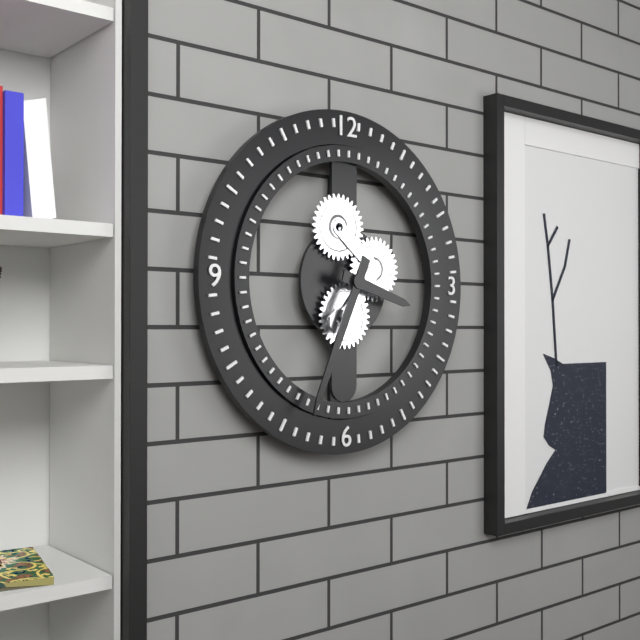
3:34
